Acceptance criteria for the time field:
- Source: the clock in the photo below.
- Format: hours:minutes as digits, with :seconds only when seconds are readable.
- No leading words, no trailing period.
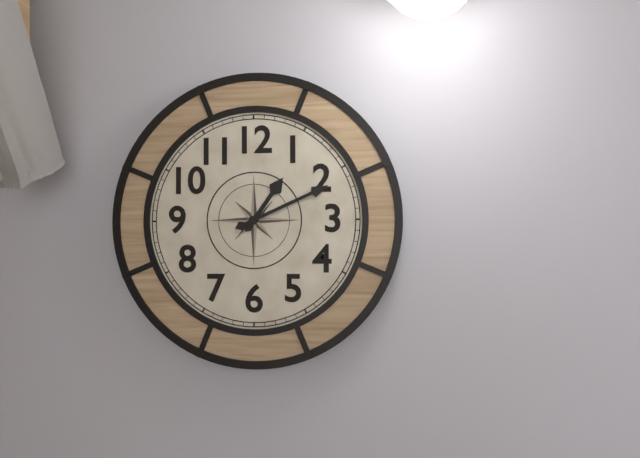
1:11
